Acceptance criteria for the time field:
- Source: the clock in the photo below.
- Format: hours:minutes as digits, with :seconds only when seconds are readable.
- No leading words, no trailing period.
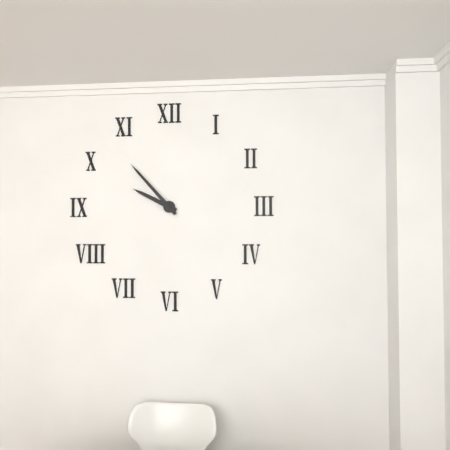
9:53
